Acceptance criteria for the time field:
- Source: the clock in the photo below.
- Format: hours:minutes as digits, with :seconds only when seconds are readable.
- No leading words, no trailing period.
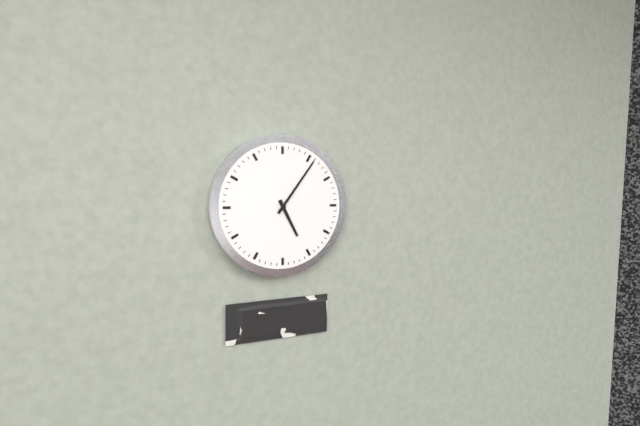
5:06
